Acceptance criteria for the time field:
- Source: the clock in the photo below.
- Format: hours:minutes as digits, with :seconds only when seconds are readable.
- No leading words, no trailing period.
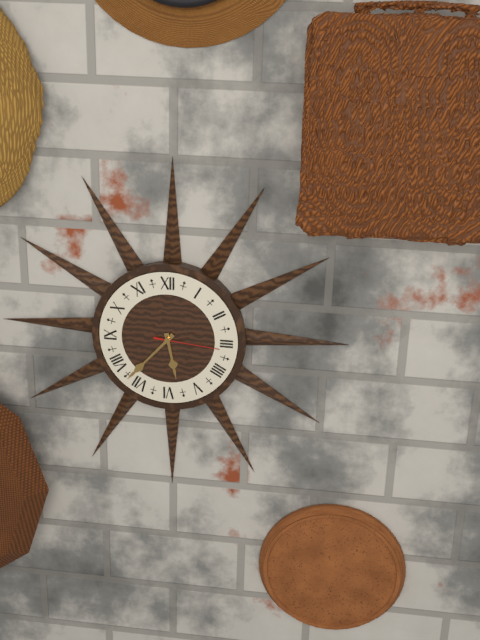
5:37:16
